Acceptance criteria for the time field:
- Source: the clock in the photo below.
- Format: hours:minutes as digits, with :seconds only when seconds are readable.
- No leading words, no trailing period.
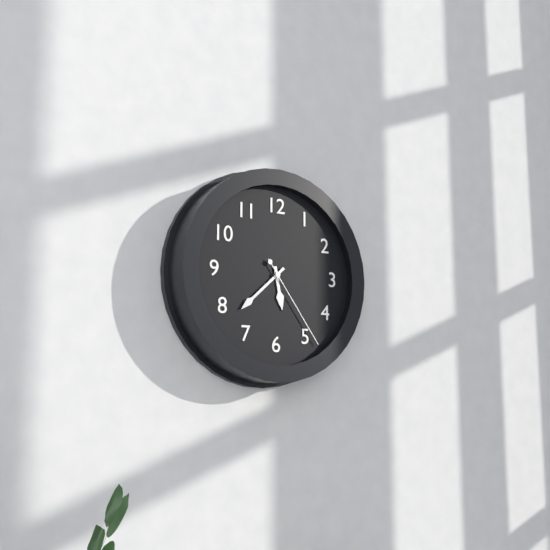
5:38:24
